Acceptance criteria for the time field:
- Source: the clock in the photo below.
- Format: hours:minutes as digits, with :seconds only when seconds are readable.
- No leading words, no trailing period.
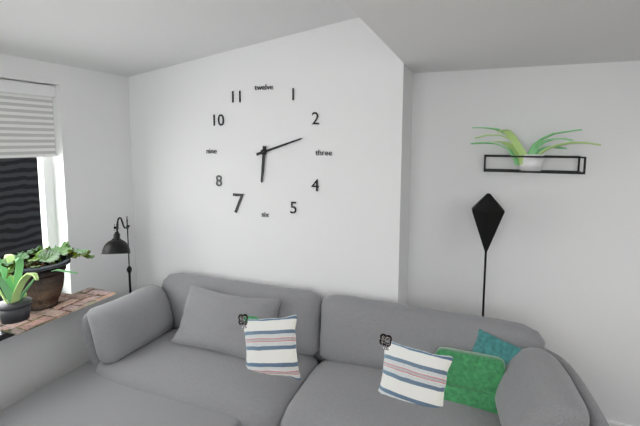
6:12
